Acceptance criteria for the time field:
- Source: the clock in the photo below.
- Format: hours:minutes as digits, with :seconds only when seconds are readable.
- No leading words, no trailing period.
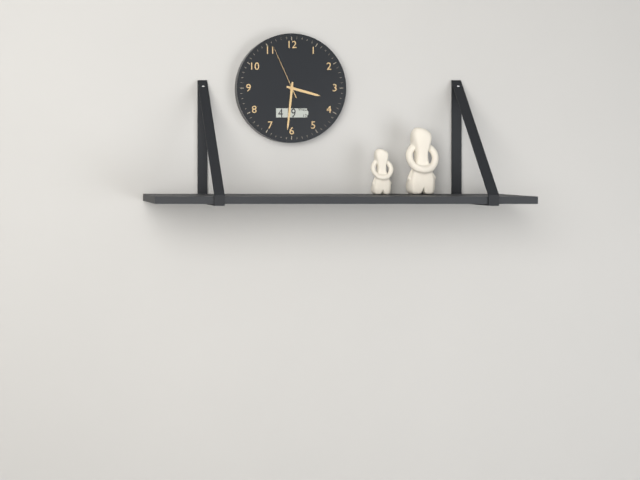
3:31:56
